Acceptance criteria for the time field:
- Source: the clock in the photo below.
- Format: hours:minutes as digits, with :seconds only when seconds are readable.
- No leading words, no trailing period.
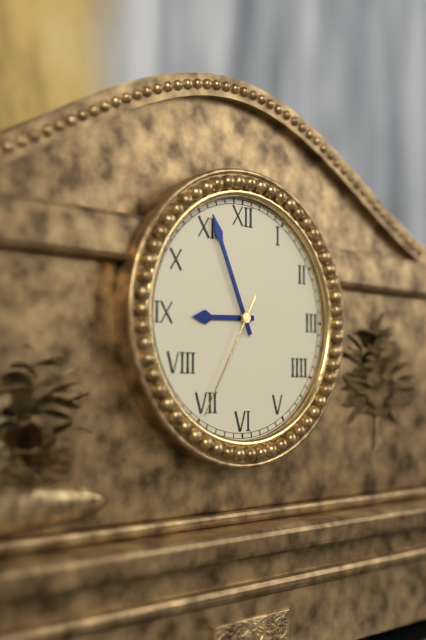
8:56:35
